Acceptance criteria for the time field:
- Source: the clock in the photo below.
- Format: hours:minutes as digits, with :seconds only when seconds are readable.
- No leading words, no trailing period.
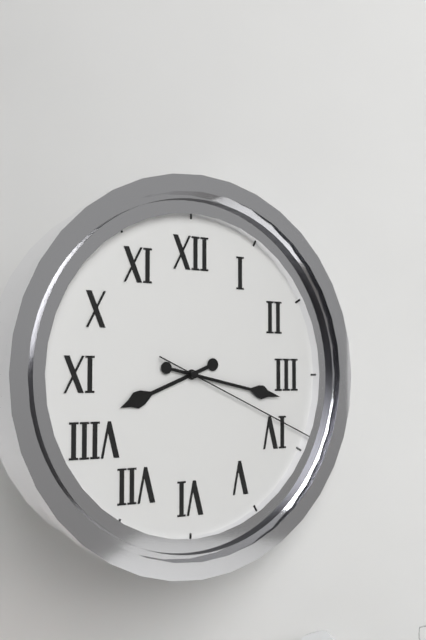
8:17:19
